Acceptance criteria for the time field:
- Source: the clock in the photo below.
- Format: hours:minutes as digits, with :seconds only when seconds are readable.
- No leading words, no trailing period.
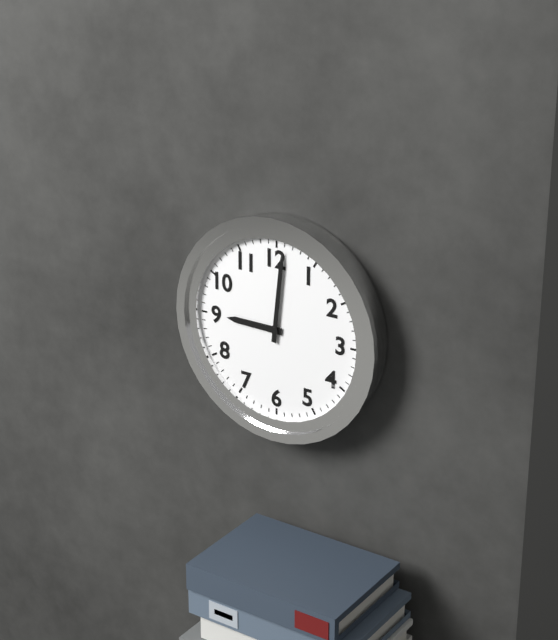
9:01
